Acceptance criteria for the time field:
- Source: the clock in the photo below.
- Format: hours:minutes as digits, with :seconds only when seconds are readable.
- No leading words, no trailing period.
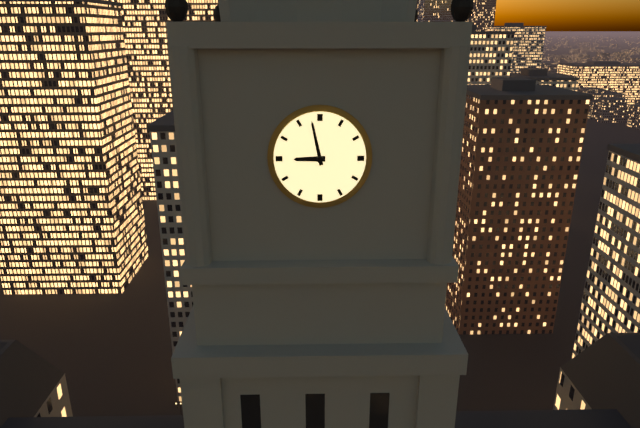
8:58
